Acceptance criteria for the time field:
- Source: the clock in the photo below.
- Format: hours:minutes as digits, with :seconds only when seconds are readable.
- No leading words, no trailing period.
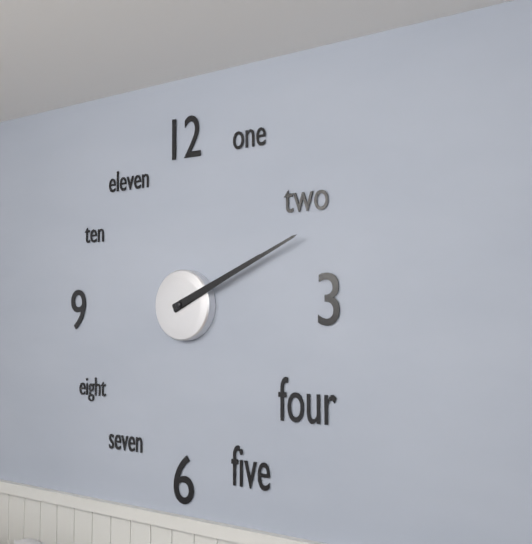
2:11
